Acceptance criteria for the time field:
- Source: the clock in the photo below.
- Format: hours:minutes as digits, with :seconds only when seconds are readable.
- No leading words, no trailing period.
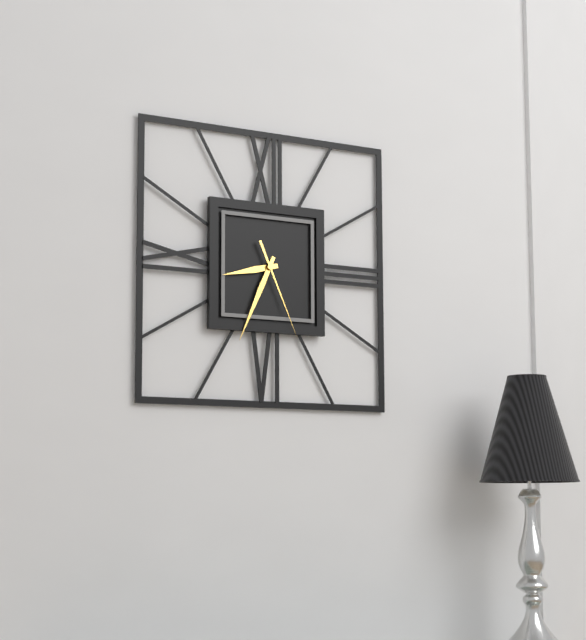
8:34:26
